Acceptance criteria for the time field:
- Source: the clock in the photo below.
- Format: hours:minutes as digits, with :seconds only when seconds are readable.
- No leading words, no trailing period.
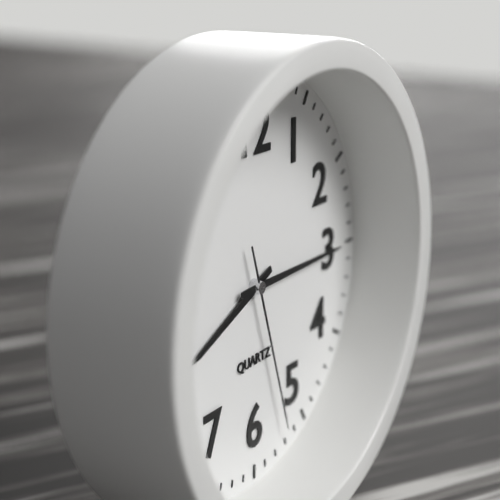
8:15:27
